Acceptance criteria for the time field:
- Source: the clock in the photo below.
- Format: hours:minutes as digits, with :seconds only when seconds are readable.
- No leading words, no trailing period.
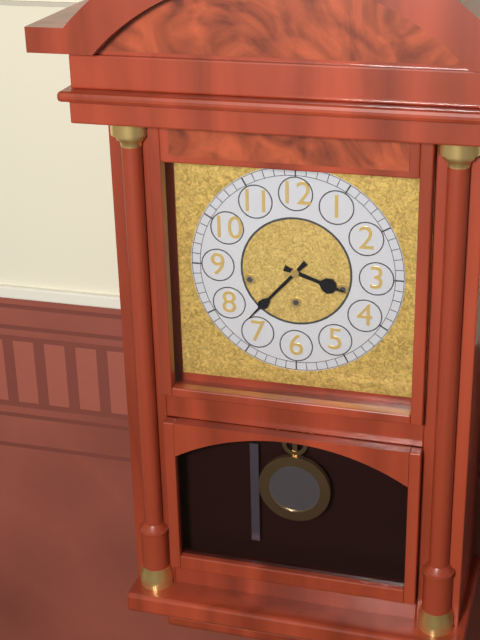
3:37
